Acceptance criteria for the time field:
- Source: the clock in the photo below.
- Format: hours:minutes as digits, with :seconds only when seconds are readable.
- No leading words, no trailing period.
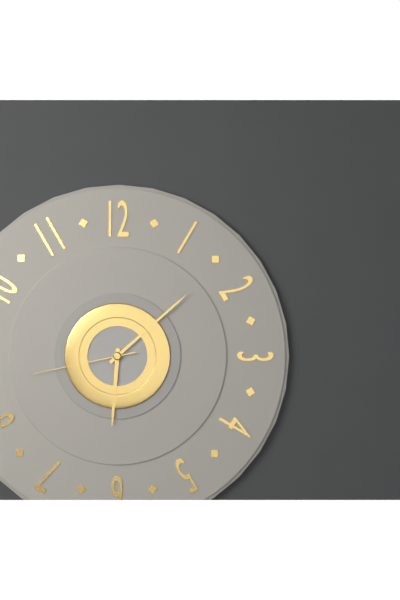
6:08:43
